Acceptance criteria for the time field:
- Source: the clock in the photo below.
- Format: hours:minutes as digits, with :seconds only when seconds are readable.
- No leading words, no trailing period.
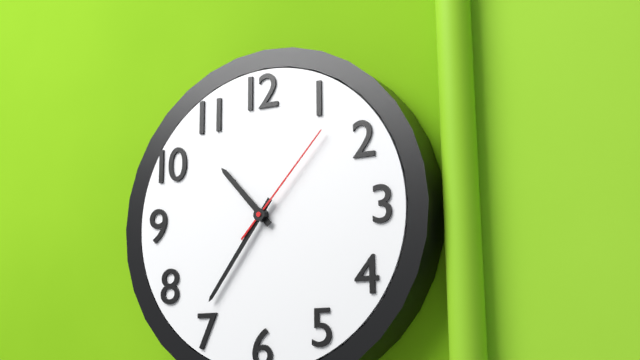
10:36:07
